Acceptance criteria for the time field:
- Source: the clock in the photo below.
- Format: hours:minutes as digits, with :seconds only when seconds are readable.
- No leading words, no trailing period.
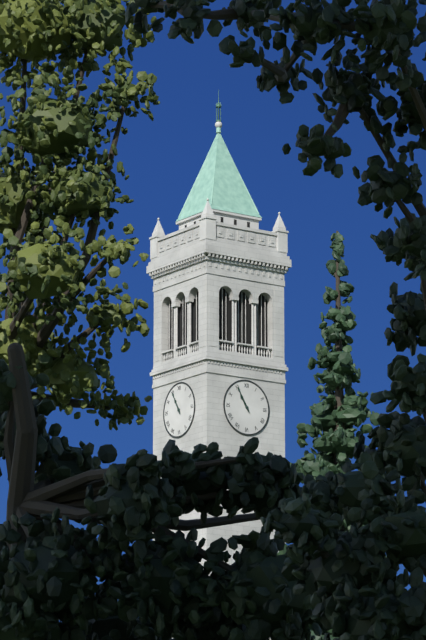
10:55
